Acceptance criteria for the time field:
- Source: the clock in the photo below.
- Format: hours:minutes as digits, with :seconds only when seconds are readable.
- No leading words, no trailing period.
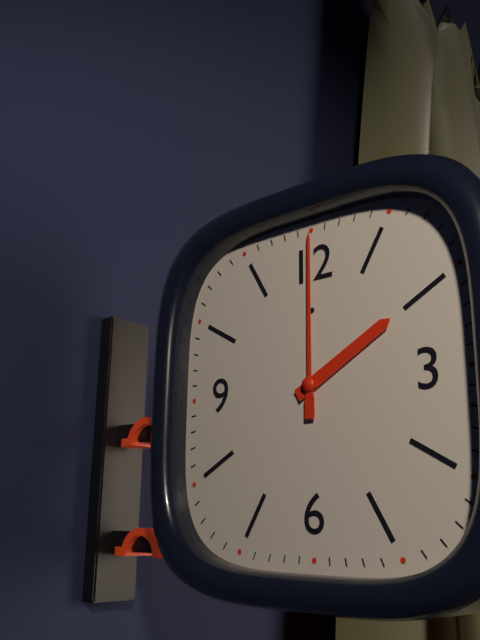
2:00
